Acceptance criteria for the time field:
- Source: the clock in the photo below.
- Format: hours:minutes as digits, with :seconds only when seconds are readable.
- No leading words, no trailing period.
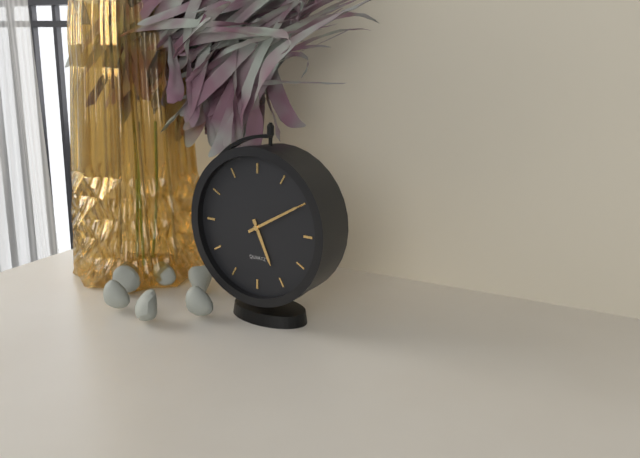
5:10
